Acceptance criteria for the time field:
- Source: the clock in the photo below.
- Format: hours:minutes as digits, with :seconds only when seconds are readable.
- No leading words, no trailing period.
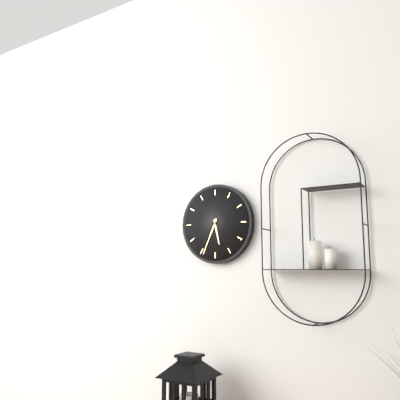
5:34
